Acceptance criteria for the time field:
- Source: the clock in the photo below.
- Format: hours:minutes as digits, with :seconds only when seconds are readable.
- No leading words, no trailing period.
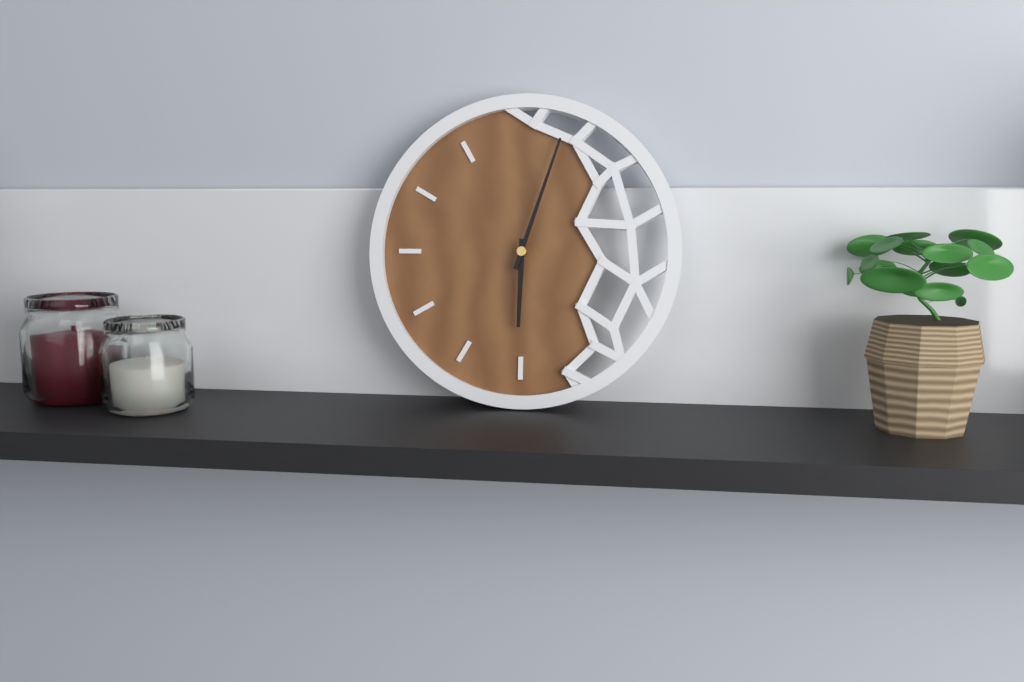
6:03
